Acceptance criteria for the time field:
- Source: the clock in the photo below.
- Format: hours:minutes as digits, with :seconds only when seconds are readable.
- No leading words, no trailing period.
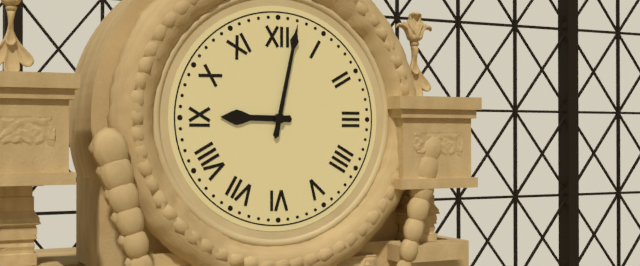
9:02
